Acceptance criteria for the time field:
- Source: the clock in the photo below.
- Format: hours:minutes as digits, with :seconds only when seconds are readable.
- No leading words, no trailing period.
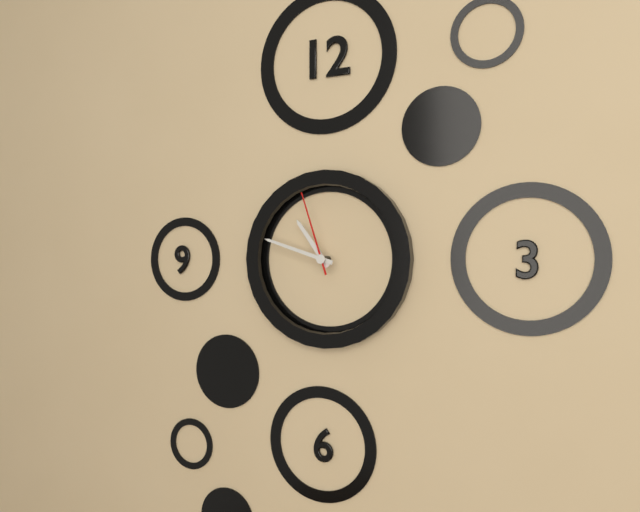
10:48:57
